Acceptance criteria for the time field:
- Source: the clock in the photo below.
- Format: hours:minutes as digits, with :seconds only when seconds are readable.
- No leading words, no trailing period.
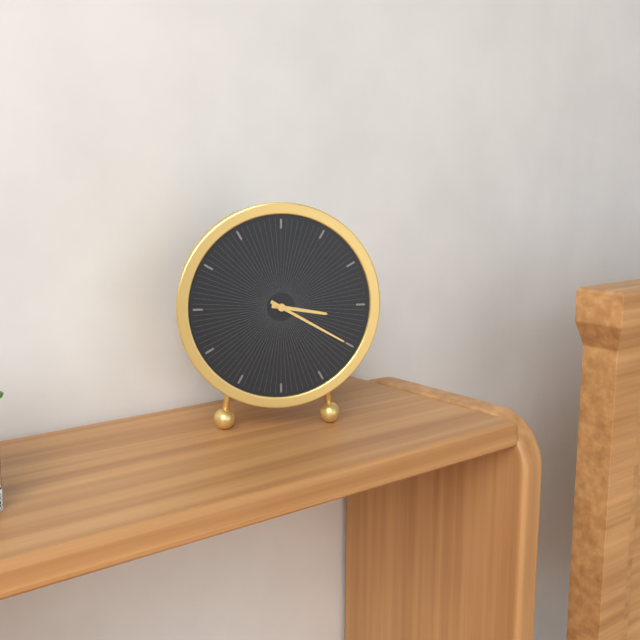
3:20
